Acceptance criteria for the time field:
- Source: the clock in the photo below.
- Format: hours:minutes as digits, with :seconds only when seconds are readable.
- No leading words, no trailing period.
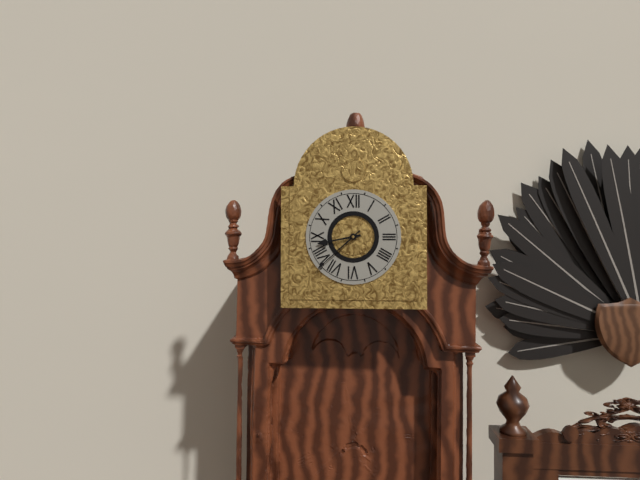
8:38
